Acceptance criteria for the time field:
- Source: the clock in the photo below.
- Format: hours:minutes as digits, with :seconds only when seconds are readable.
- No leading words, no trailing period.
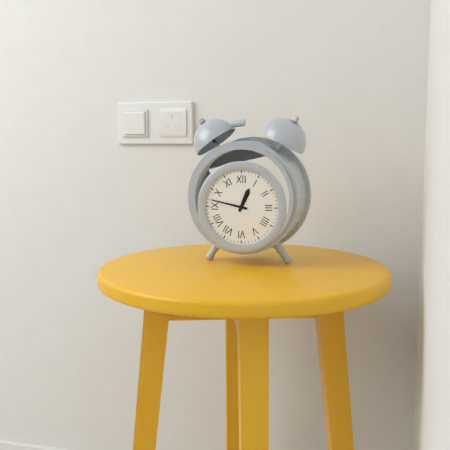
12:47
